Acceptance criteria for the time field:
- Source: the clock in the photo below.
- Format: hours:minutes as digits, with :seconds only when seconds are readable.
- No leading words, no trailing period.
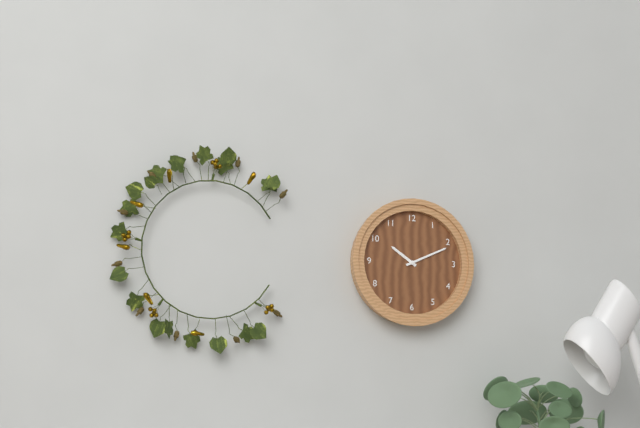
10:11
